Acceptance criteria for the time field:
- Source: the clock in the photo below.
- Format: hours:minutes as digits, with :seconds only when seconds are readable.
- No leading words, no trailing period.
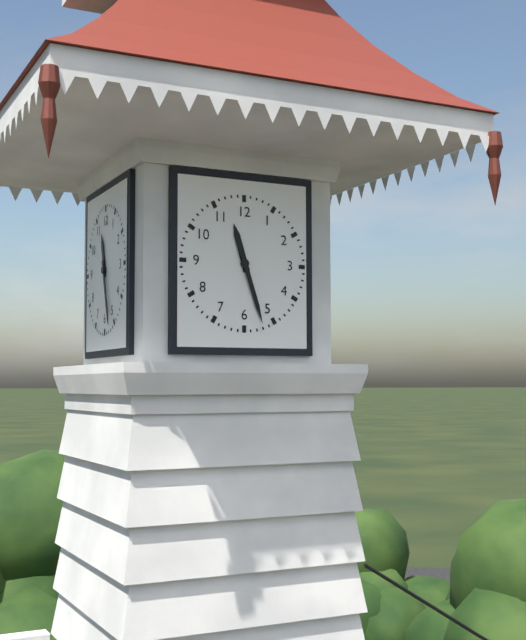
11:27
